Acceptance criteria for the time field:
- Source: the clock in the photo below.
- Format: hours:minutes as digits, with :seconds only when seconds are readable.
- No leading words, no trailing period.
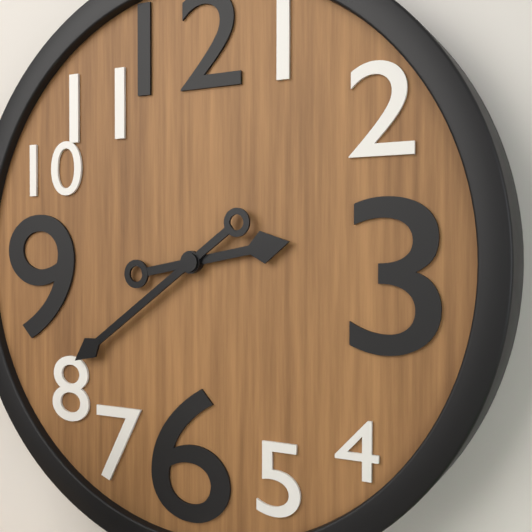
2:39
